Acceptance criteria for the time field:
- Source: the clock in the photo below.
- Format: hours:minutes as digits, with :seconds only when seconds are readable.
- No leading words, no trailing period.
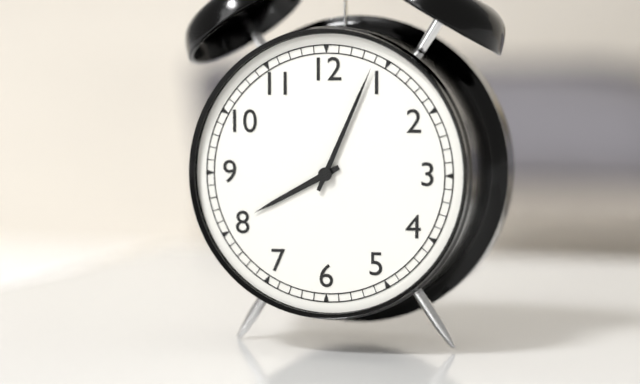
8:04
